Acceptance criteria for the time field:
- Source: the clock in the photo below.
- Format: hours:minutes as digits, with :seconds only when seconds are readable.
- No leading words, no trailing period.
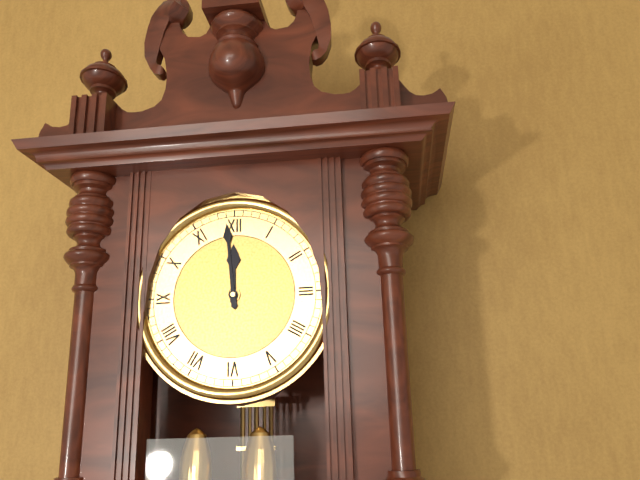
11:59
